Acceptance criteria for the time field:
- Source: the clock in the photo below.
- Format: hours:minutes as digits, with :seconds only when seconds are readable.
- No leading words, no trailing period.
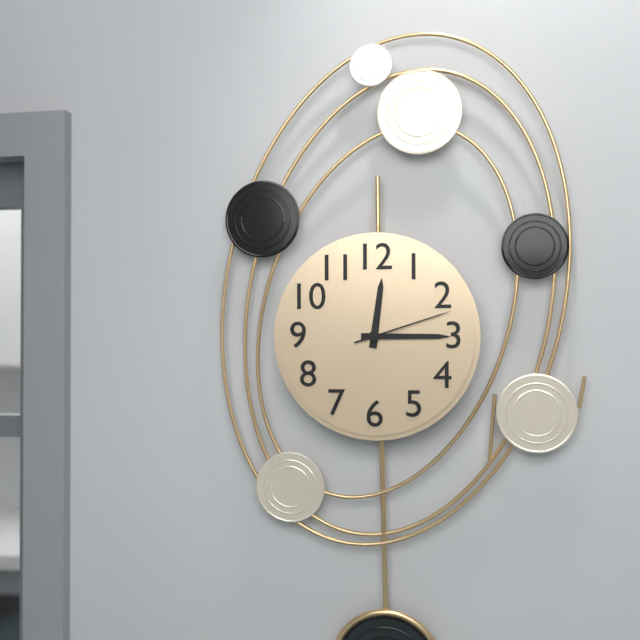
12:15:12
